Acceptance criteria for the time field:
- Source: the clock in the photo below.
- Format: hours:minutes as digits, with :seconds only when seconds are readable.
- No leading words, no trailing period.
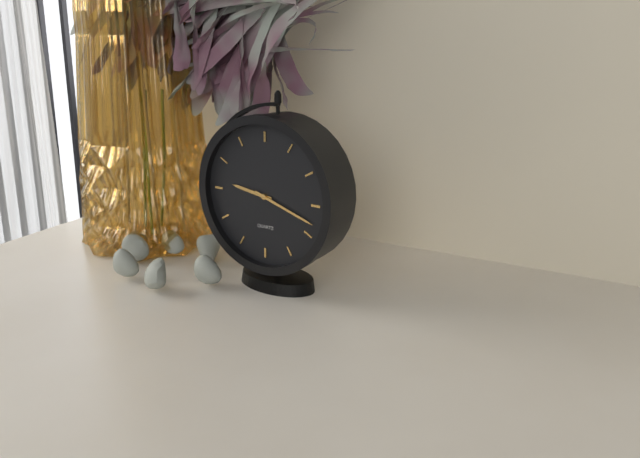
9:18
